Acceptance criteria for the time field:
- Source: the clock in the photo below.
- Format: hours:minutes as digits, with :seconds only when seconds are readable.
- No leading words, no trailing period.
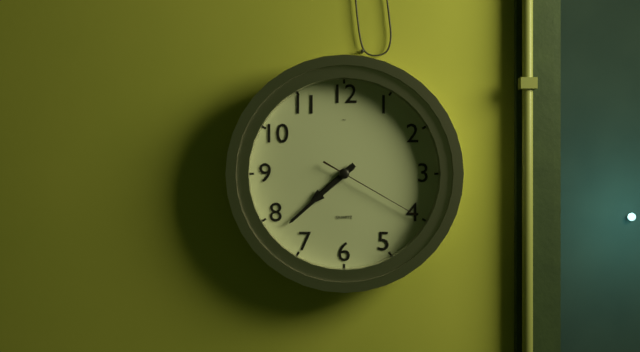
7:38:20
